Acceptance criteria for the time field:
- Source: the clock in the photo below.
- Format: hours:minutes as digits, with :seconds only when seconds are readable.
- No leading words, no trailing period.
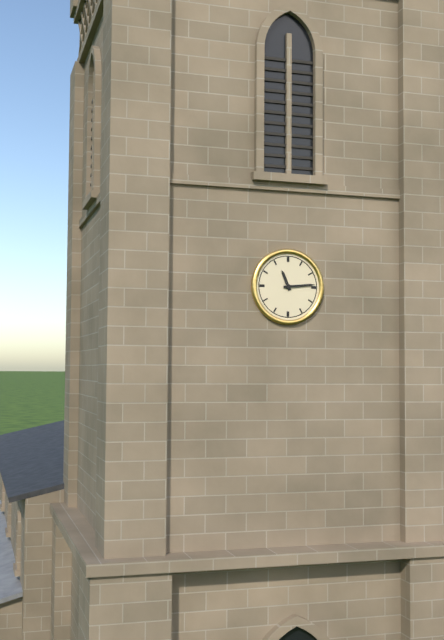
11:14
